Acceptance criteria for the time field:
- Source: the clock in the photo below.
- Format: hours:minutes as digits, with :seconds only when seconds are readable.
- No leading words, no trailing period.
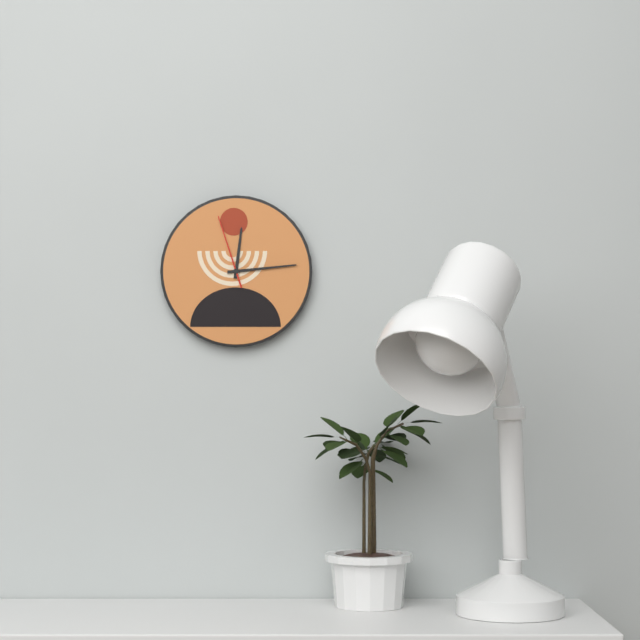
12:14:57
